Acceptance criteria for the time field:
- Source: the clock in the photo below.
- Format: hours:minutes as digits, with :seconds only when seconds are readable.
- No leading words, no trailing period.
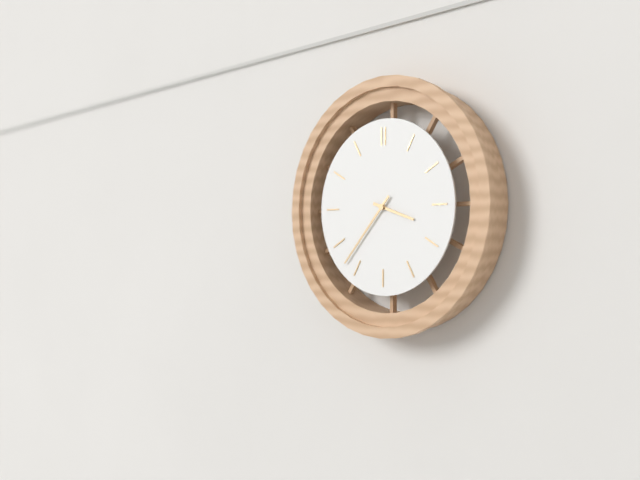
3:37
